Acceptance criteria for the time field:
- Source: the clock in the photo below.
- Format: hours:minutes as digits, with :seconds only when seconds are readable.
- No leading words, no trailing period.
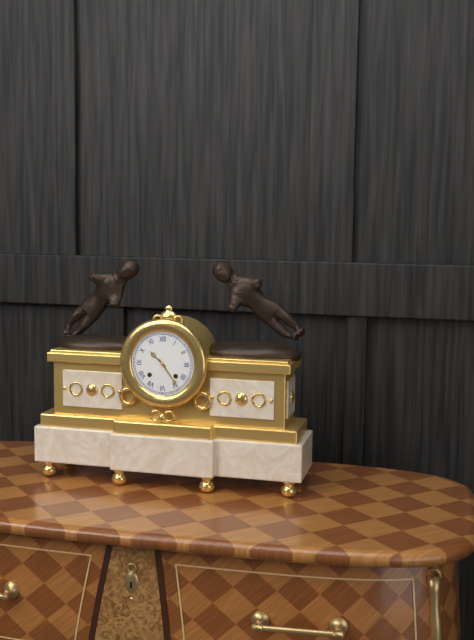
10:24
